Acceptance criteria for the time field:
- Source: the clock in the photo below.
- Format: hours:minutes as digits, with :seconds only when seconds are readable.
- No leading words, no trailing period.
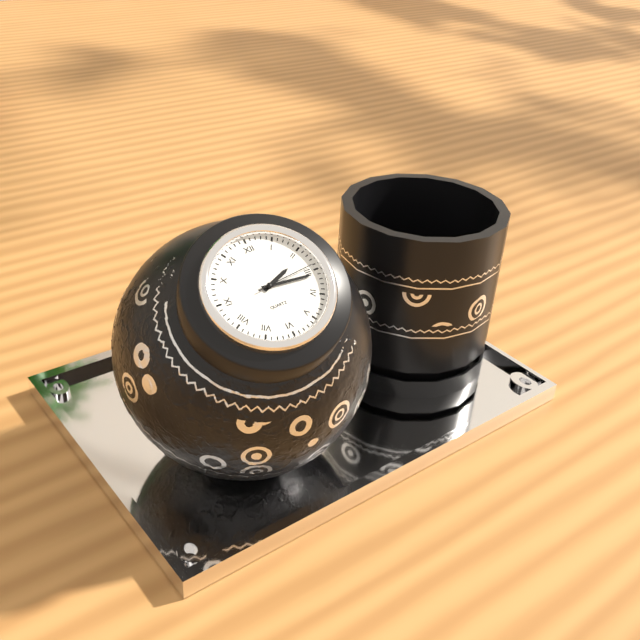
2:16:14
